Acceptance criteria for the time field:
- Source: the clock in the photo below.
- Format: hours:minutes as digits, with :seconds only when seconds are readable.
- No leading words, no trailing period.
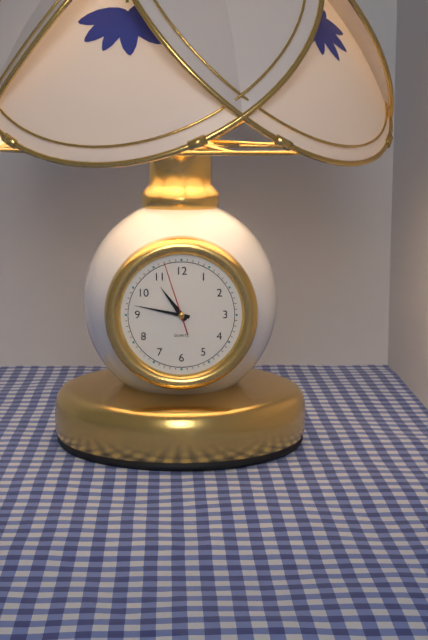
10:47:57
